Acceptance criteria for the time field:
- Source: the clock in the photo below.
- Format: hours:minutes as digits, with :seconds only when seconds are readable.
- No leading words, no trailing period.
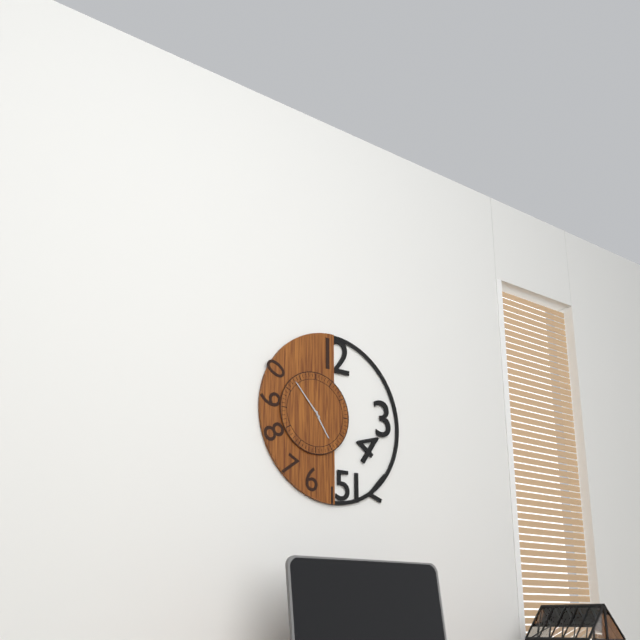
4:53
